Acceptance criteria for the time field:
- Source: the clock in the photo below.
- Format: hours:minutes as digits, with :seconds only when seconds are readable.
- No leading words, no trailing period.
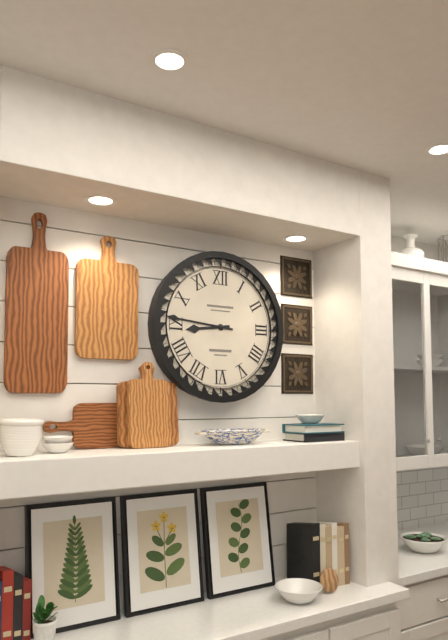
8:46
